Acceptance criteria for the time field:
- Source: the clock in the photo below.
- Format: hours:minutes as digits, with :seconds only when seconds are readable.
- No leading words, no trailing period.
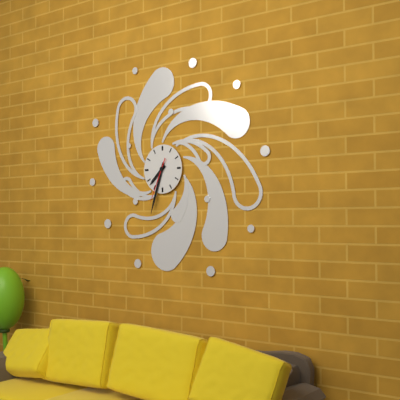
7:33
